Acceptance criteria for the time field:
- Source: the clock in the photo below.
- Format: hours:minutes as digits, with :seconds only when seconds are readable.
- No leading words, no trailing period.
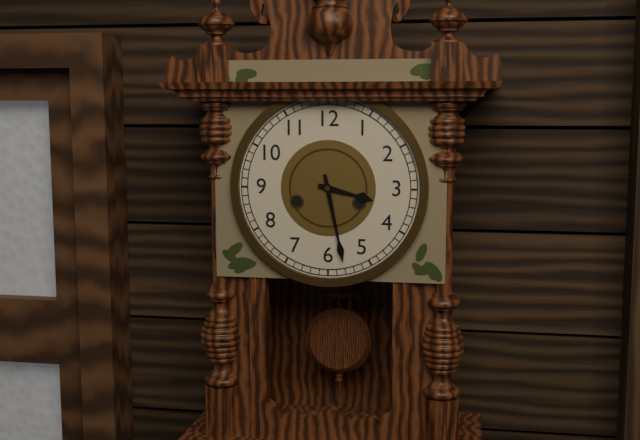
3:28
